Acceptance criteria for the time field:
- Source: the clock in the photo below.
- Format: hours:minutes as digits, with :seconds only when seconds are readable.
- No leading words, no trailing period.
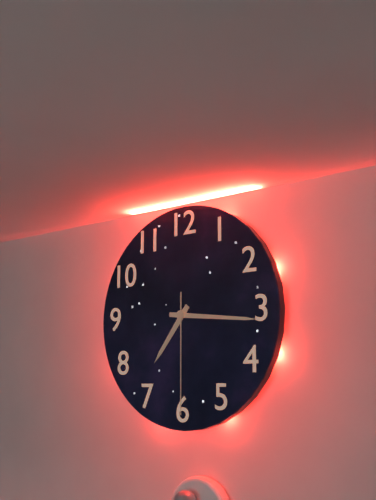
7:16:30
